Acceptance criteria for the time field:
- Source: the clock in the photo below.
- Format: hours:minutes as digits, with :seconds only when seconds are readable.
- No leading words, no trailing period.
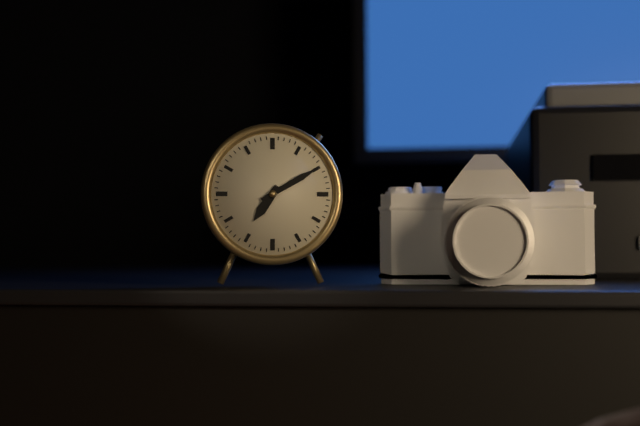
7:10
